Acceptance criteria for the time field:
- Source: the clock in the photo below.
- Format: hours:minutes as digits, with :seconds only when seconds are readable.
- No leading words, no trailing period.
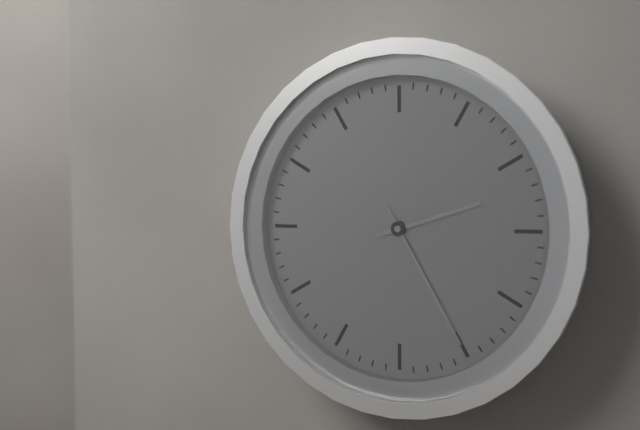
2:25
